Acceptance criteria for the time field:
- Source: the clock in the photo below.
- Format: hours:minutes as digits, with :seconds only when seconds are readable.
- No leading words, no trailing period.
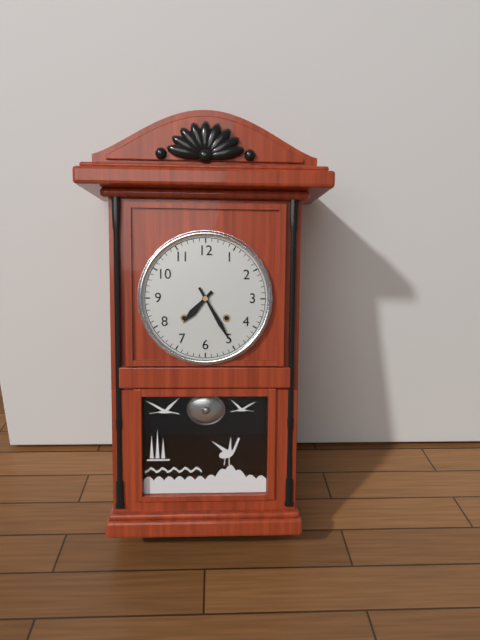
7:25
